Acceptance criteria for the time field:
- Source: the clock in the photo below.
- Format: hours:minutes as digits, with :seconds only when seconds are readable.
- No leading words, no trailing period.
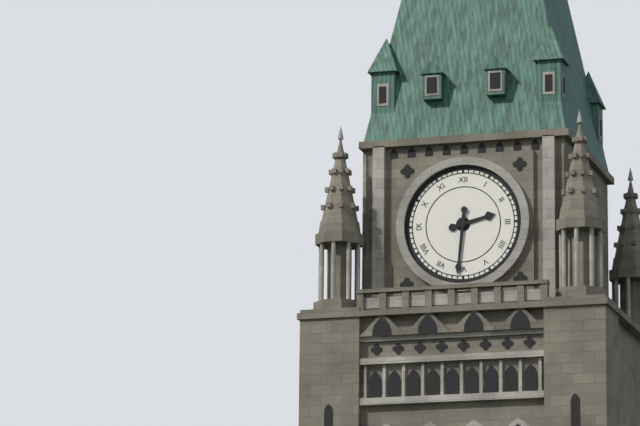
2:31
